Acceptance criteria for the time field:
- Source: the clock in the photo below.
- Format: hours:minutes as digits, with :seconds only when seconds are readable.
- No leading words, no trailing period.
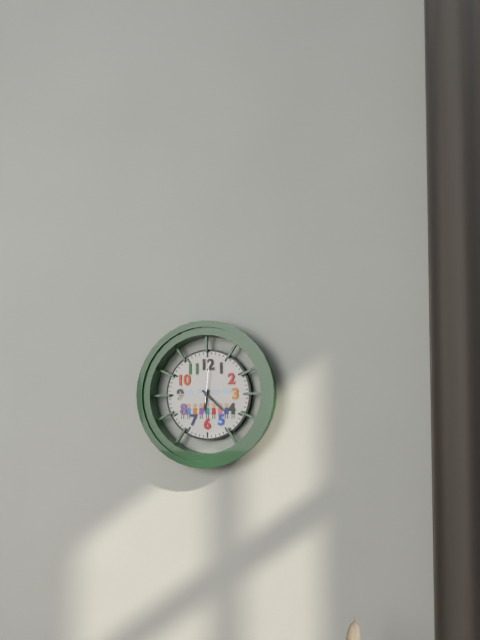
6:22
